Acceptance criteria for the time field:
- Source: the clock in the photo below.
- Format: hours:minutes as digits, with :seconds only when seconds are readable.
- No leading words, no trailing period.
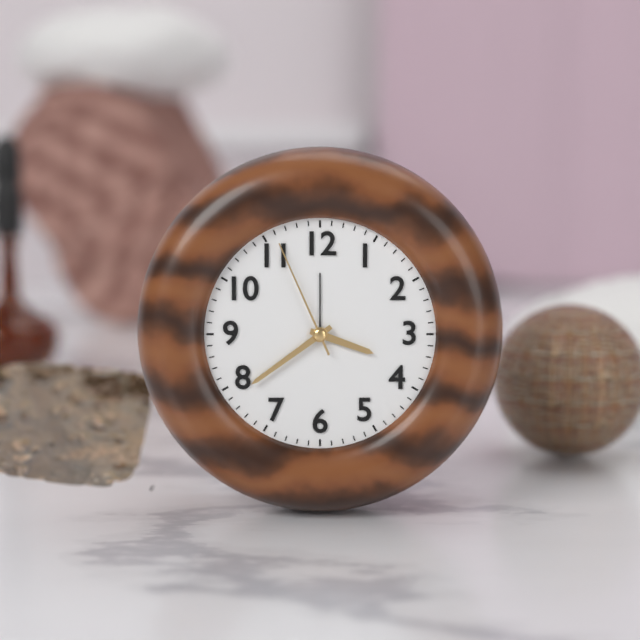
3:39:56
